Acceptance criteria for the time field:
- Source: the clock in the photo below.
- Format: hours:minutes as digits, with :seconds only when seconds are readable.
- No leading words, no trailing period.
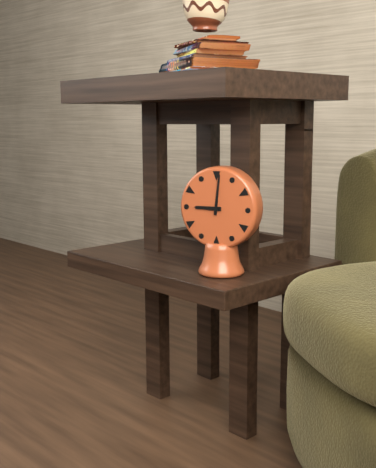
9:01
